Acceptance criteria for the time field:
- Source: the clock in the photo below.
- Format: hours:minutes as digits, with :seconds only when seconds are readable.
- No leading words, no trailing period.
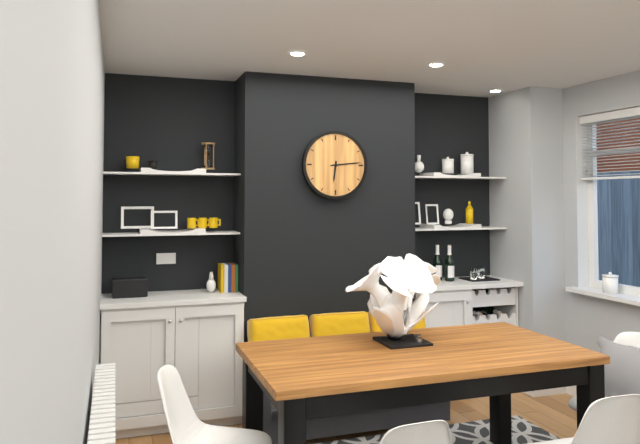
6:14
